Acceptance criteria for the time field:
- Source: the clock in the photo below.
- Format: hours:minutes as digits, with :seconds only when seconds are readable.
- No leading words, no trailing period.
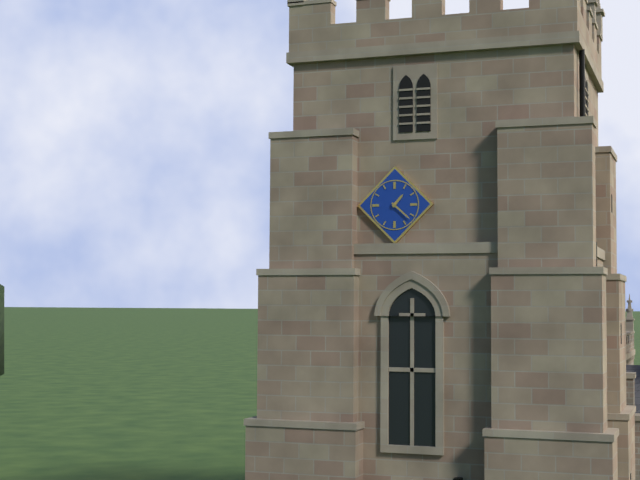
1:22
